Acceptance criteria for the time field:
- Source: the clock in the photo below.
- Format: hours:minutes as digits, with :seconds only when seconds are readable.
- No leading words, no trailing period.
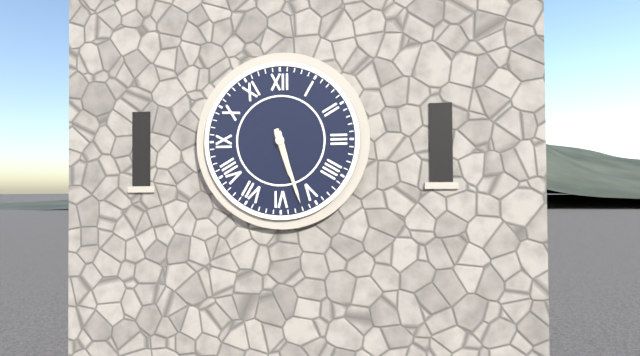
5:27
